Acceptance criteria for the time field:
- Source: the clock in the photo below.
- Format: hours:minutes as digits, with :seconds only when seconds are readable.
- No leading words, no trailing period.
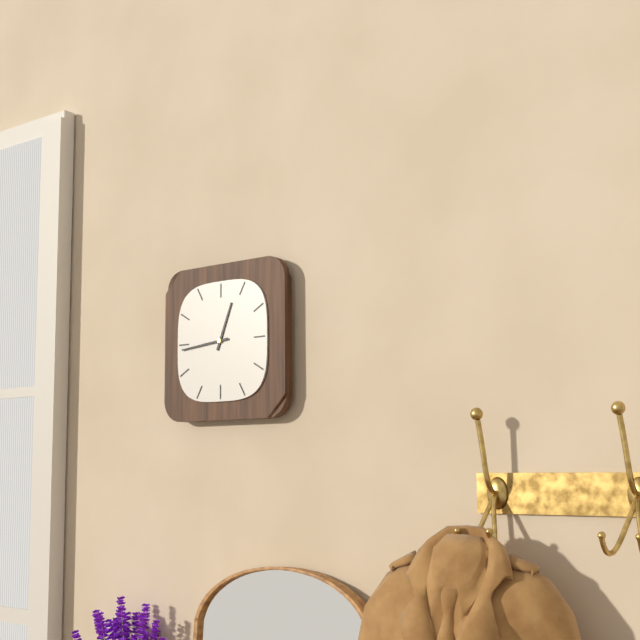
12:44
